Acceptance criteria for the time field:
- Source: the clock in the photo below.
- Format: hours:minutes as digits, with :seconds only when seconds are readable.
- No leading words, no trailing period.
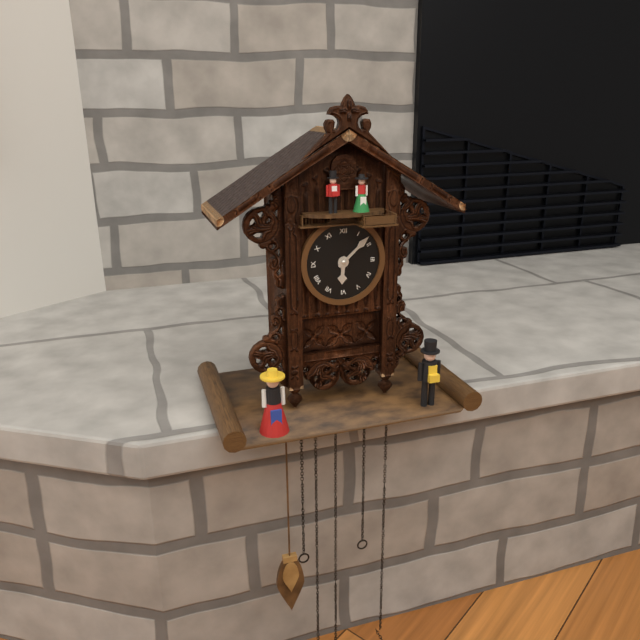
6:08
